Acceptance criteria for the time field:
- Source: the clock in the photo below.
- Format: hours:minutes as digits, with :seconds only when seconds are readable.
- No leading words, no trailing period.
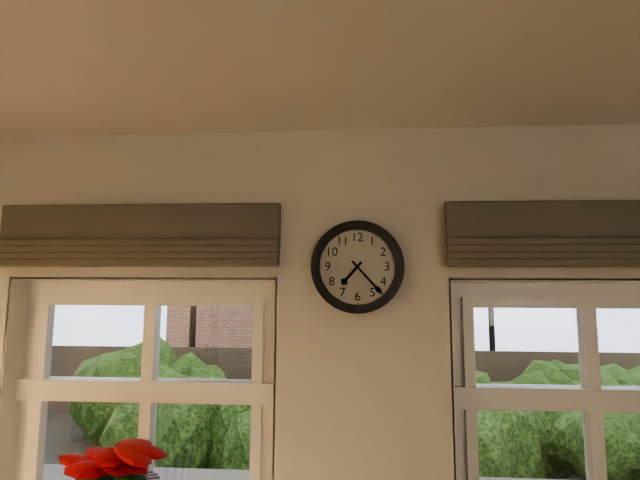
7:23
